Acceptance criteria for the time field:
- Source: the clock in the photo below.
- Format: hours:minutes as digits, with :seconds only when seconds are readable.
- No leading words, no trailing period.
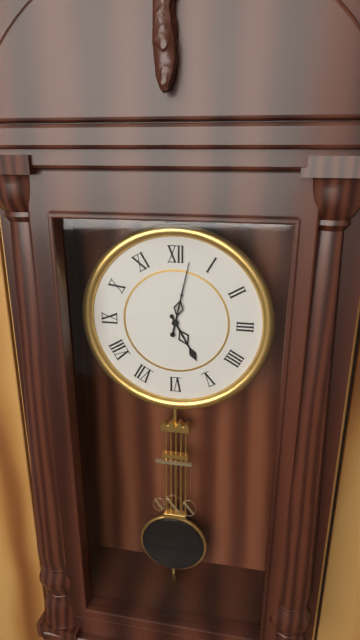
5:02
